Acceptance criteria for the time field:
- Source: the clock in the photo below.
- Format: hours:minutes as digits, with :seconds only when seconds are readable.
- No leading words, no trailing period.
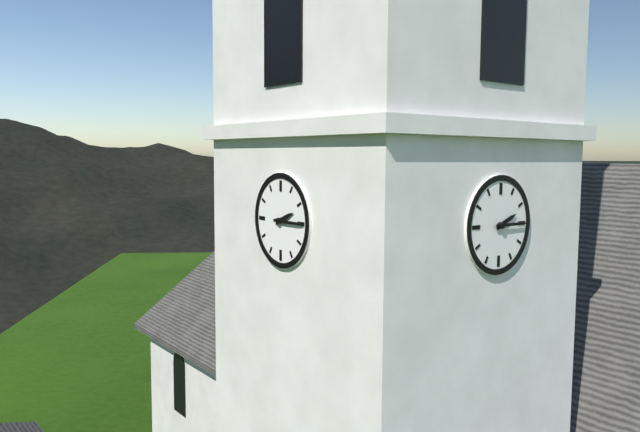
2:15
